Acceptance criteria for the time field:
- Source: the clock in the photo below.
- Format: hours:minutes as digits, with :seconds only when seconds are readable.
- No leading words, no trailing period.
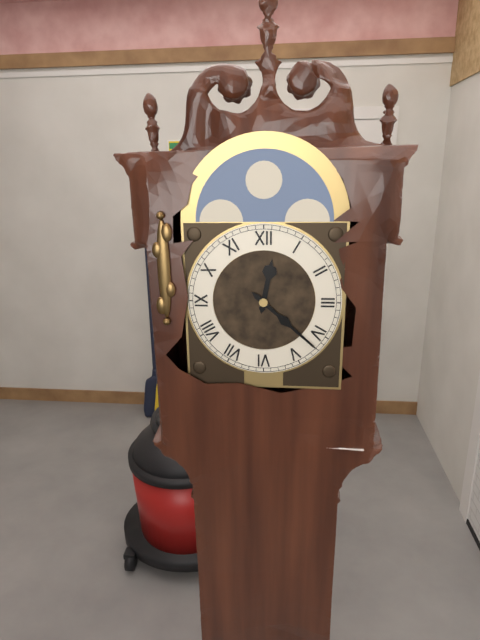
12:22
